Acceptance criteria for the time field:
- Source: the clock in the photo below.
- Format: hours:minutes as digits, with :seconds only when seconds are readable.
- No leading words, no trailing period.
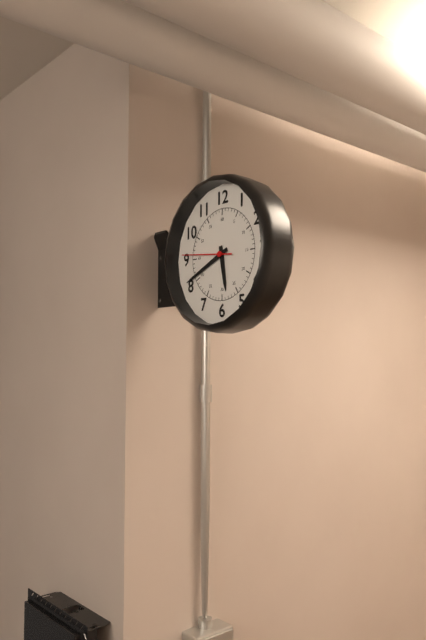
5:41:46
